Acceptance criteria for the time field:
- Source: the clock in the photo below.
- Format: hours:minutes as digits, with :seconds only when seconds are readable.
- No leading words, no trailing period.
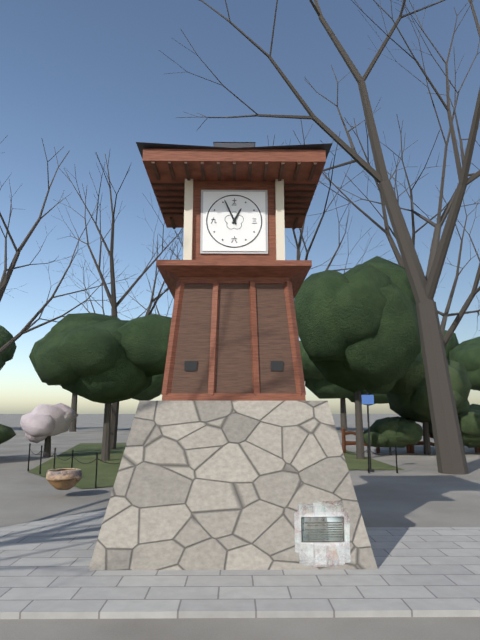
12:56
